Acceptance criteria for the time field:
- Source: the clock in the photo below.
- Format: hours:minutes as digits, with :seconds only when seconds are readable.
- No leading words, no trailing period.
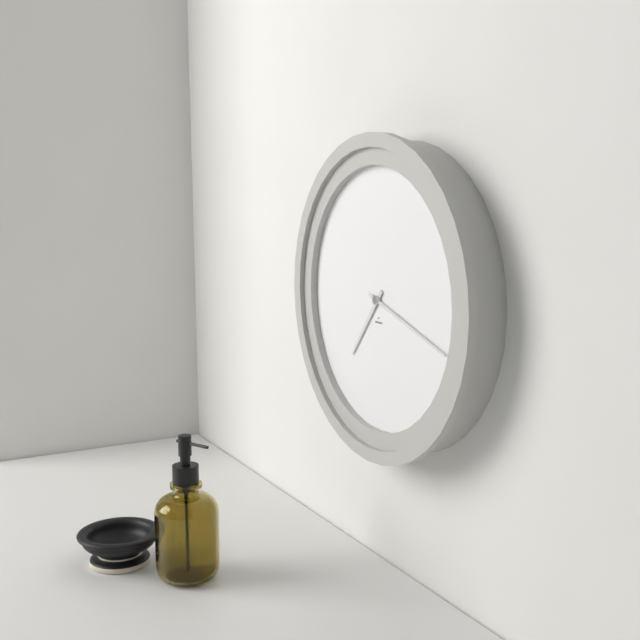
7:18
